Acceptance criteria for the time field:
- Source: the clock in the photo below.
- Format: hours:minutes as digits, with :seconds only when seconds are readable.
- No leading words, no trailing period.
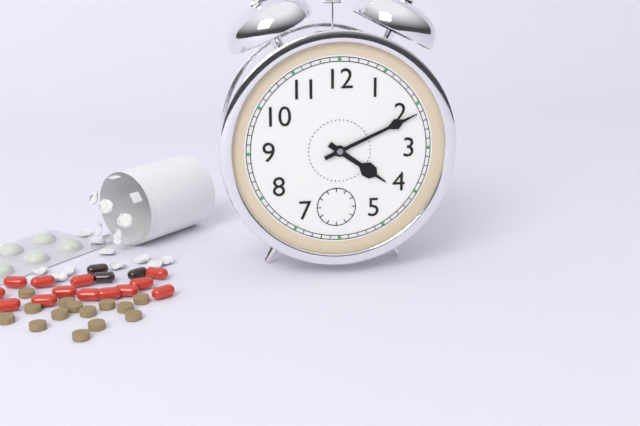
4:11
